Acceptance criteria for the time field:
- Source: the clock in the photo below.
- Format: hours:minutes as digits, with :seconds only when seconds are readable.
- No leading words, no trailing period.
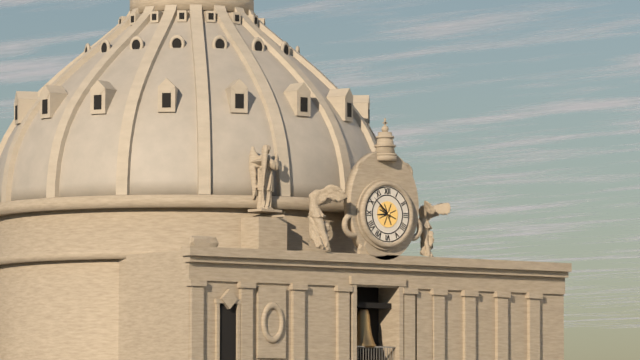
8:52
